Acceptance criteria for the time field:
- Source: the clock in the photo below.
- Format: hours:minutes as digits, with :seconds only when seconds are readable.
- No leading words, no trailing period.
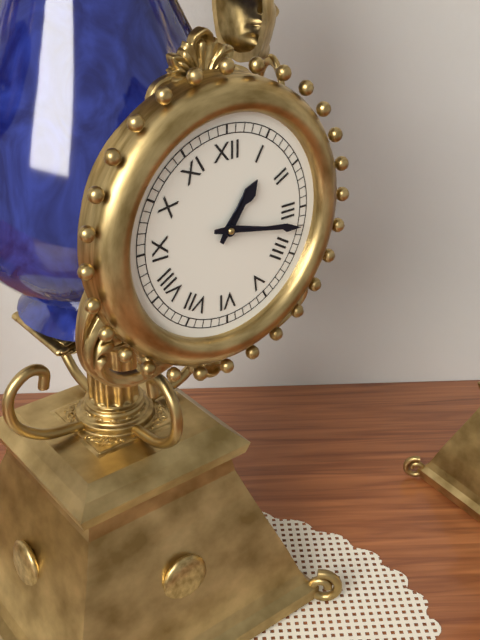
1:17
